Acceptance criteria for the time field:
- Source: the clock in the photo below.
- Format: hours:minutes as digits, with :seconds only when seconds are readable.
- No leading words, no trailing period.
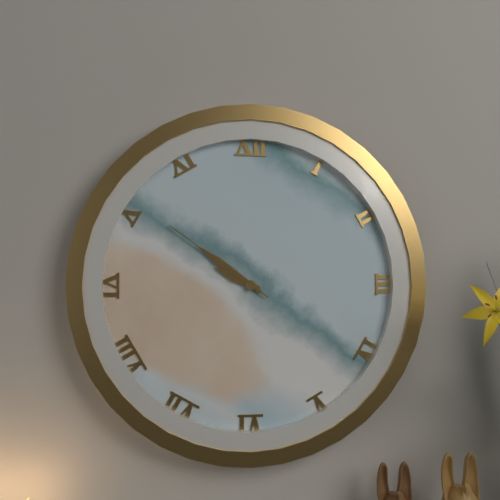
9:51:51
